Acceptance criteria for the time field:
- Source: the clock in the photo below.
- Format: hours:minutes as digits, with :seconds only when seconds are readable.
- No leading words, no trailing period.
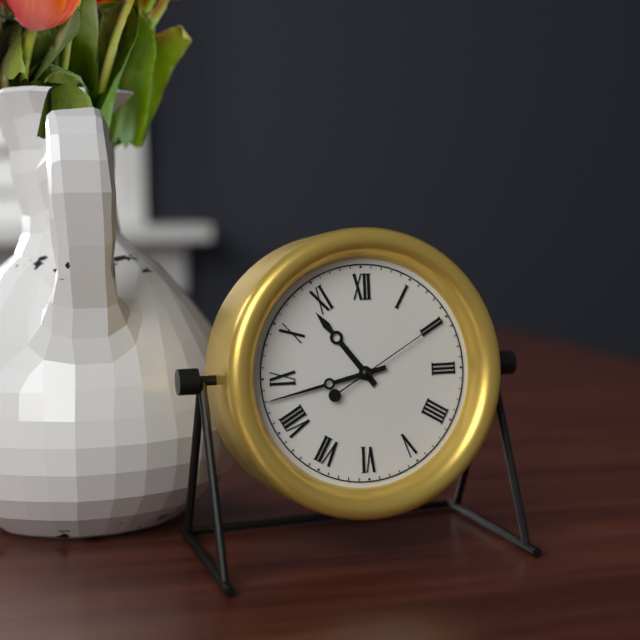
10:43:10
